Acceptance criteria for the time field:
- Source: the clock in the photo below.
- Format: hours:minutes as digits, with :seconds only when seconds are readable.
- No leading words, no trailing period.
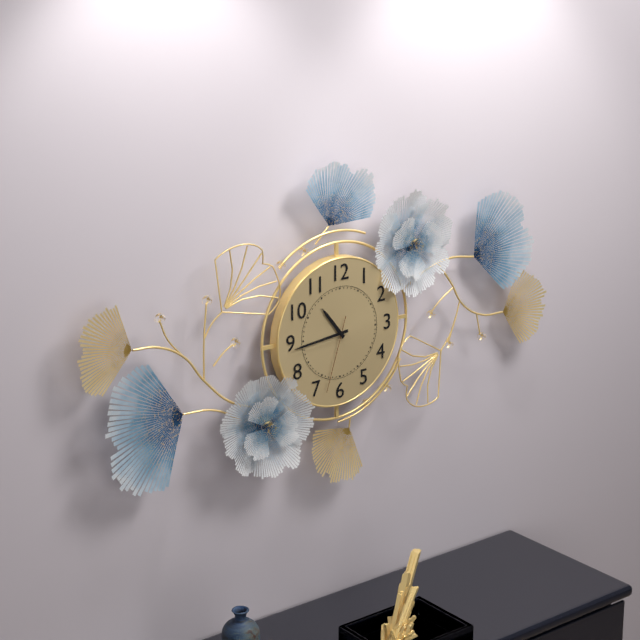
10:44:33
